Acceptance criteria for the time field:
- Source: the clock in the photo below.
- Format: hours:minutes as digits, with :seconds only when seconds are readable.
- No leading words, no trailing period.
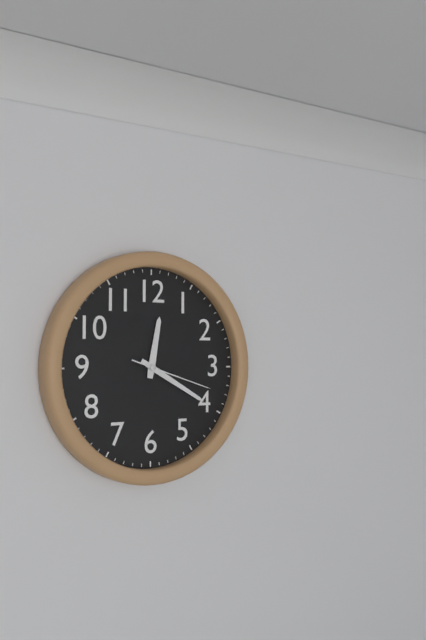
12:20:18
